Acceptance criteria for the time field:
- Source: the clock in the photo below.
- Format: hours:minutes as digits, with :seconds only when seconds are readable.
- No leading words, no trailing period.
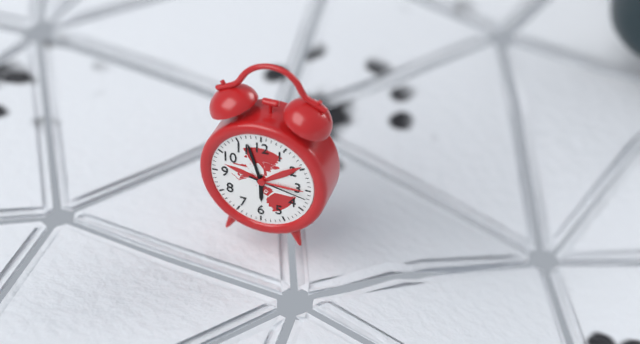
5:57:17
